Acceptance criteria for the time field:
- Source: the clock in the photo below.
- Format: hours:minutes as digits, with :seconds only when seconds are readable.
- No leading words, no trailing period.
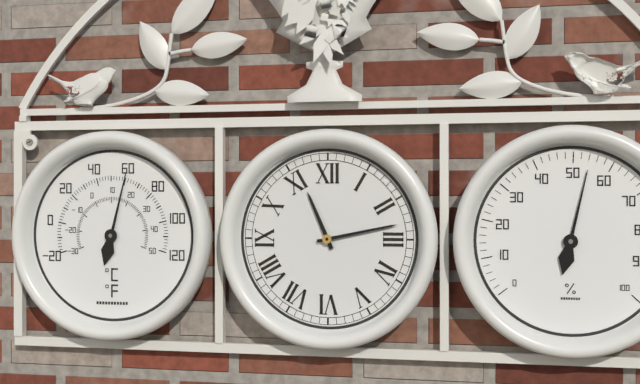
11:13
